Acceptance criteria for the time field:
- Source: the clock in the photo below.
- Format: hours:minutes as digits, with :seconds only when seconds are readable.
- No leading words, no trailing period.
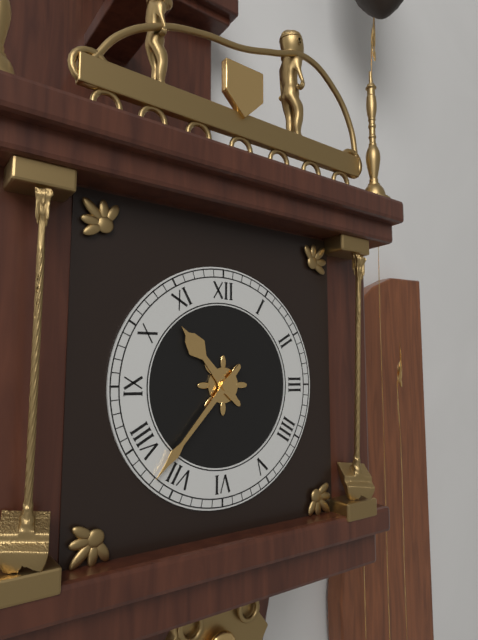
10:37
